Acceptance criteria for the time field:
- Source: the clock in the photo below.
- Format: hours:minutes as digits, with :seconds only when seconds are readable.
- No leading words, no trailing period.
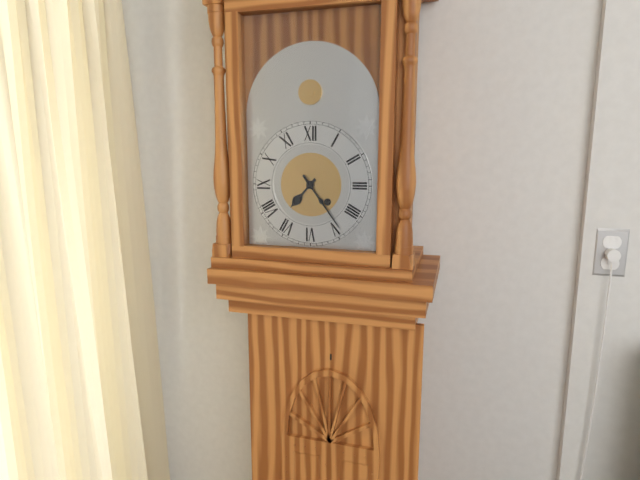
7:24
